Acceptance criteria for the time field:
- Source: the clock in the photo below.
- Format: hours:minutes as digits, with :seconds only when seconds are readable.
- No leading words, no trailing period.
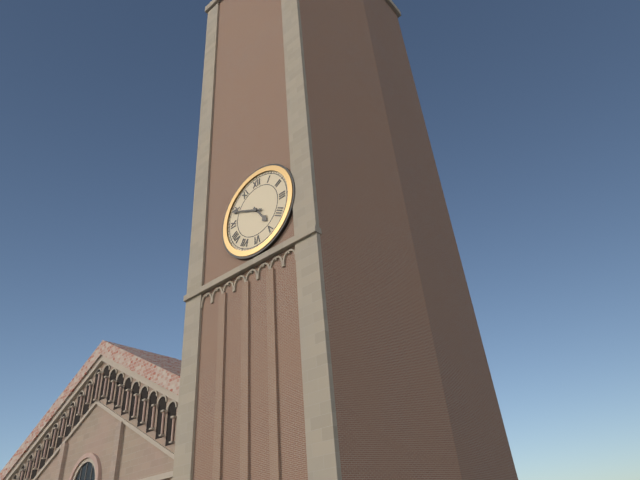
4:49
